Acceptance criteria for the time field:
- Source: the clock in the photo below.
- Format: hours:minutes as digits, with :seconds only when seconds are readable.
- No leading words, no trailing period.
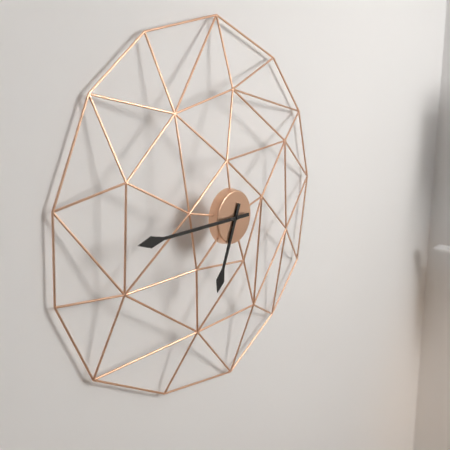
6:45
